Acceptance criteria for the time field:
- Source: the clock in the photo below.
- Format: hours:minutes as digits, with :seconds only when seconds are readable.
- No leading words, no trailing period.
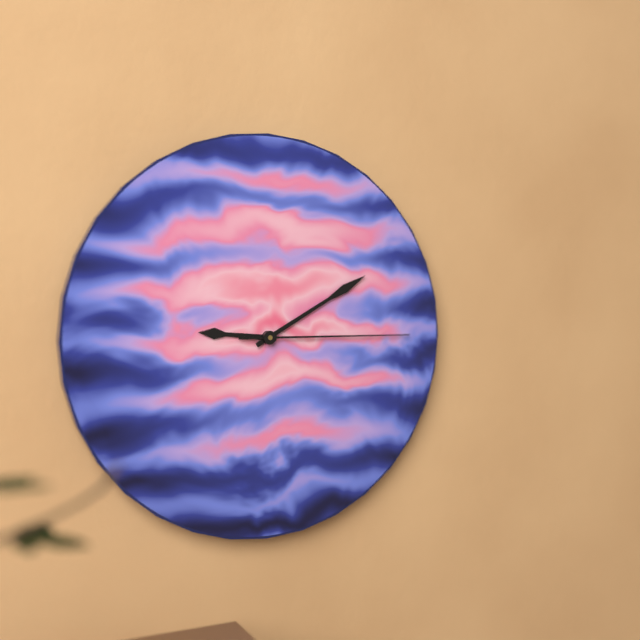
9:10:15
